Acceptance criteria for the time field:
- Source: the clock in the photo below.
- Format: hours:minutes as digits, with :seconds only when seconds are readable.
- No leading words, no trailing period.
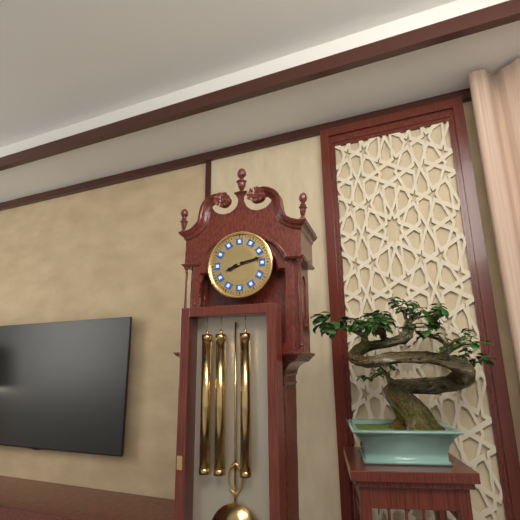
8:13
